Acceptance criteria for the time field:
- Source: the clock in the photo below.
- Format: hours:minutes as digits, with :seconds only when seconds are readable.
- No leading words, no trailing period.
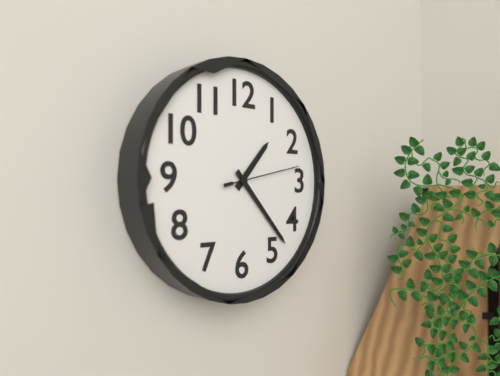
1:23:13
